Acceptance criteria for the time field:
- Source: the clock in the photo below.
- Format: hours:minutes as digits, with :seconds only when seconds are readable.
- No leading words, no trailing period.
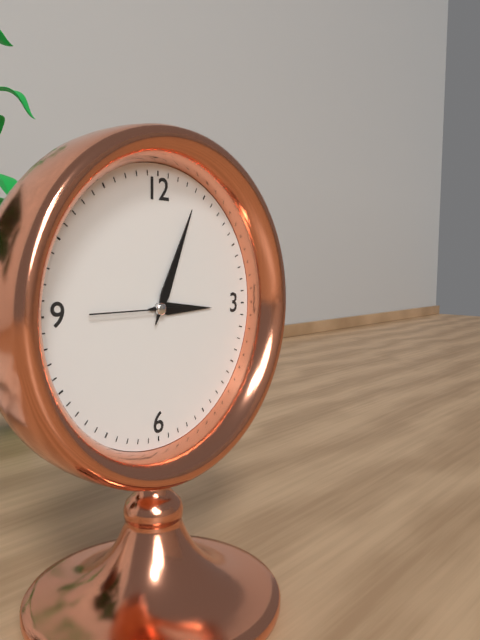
3:04:45
